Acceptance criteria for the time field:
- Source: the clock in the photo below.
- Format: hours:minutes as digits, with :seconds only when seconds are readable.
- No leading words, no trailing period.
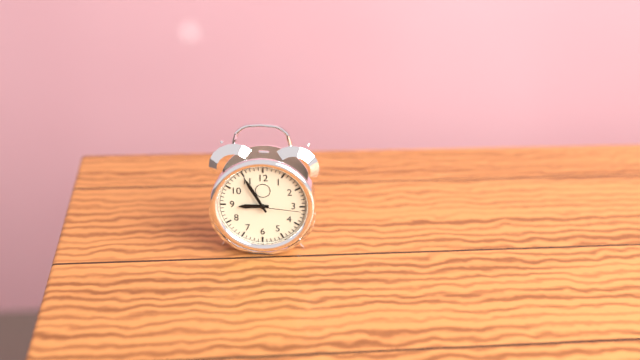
8:55
